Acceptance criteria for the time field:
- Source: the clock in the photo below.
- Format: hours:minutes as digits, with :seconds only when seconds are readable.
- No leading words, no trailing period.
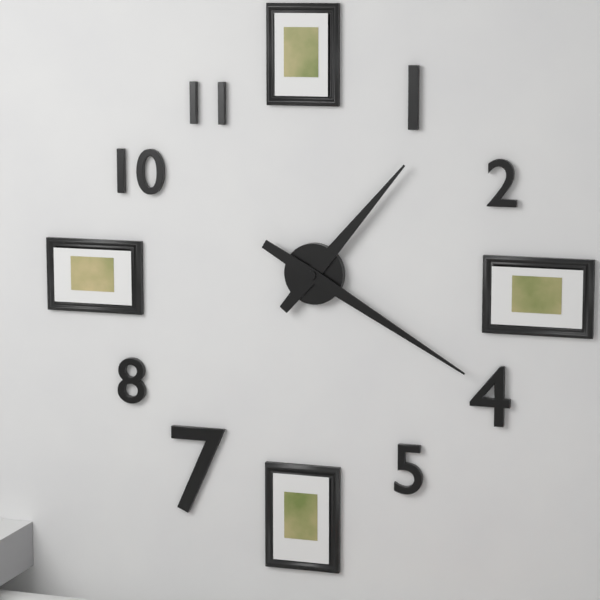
1:20
